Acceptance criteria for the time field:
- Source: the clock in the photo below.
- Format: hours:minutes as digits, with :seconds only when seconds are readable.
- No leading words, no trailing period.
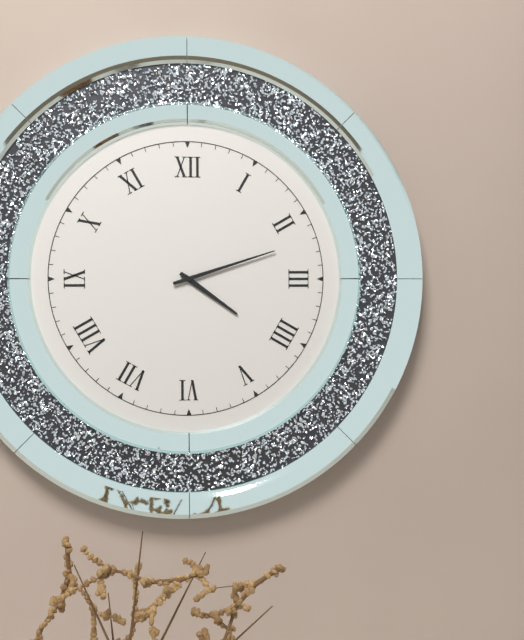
4:12
